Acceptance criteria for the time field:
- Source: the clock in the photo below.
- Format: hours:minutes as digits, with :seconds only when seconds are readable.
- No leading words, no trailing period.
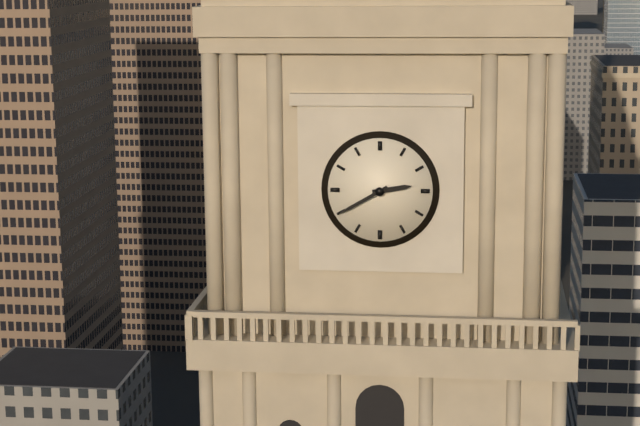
2:40
